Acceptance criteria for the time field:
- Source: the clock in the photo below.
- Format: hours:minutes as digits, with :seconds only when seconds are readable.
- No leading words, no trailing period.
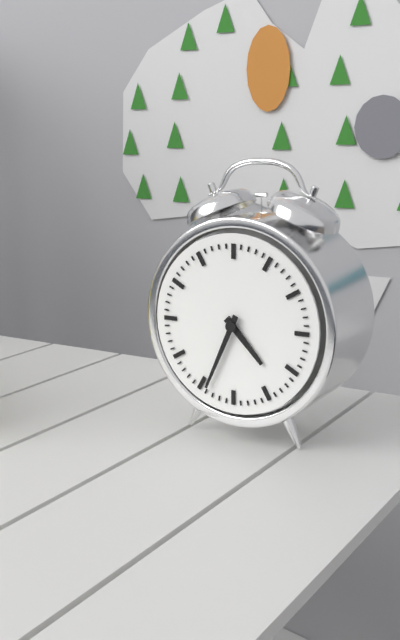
4:34
